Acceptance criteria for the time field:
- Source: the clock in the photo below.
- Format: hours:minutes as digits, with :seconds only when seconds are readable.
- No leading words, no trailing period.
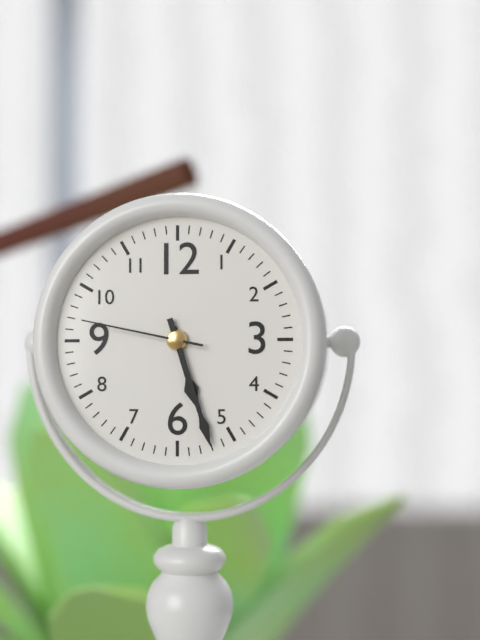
5:27:47
